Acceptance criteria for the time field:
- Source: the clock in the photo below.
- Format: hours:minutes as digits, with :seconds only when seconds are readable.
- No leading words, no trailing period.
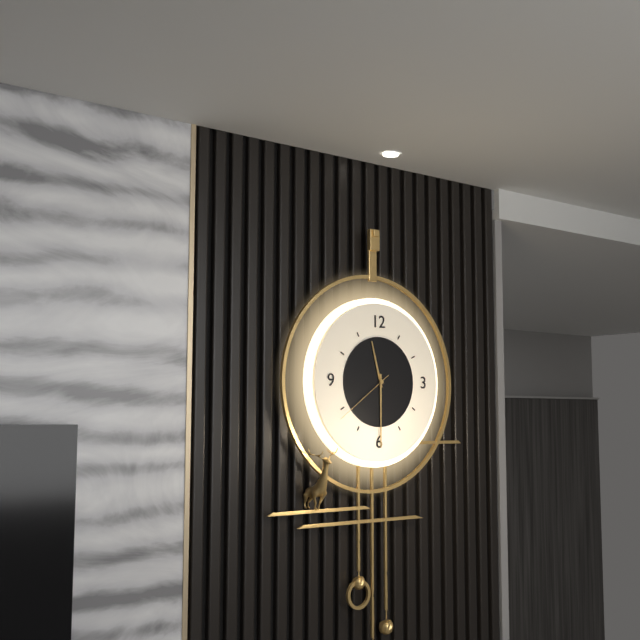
11:30:39
